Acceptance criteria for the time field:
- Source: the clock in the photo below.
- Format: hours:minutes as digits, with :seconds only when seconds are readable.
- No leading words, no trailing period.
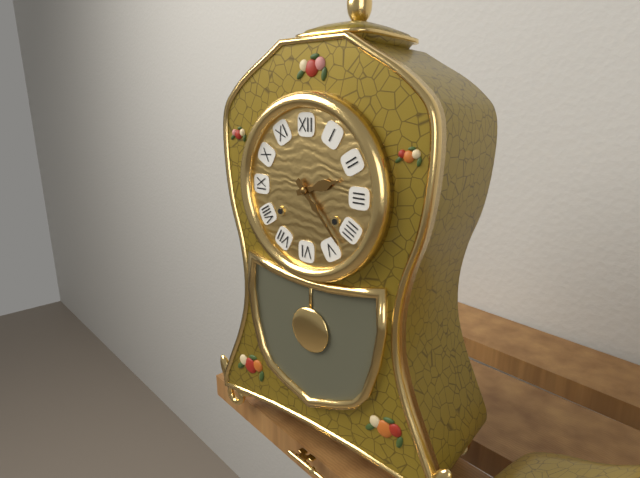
2:23
